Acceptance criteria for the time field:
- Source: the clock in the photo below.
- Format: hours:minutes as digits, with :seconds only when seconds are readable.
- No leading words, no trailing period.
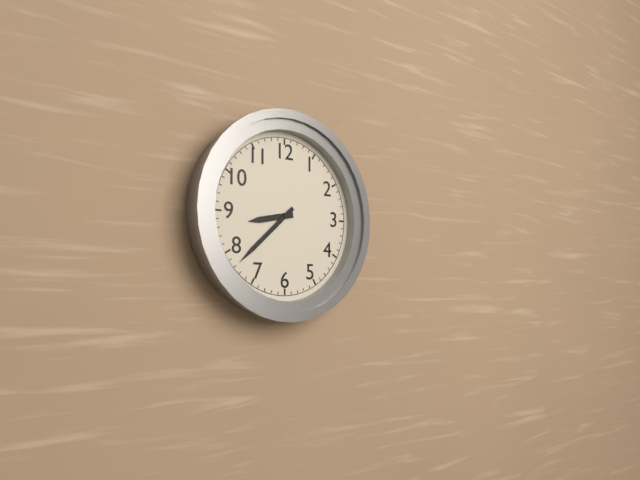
8:38
